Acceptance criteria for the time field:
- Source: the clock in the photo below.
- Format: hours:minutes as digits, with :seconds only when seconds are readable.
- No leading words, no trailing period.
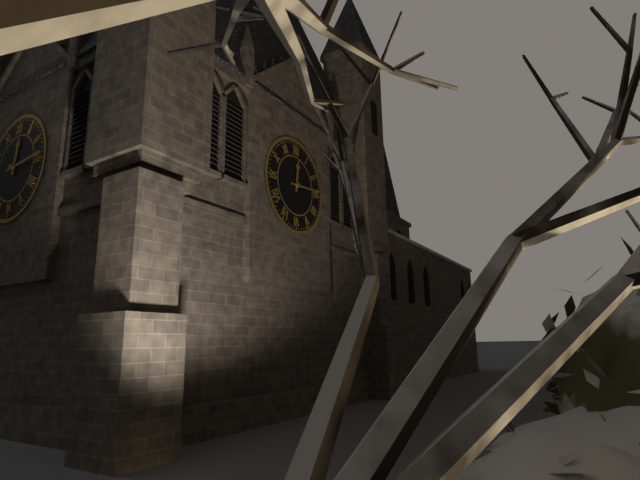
12:14
